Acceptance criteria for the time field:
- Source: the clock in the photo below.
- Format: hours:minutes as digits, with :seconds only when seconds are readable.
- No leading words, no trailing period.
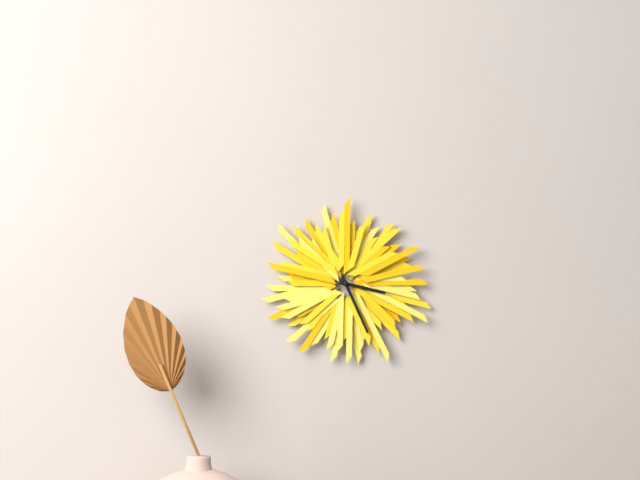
3:26
